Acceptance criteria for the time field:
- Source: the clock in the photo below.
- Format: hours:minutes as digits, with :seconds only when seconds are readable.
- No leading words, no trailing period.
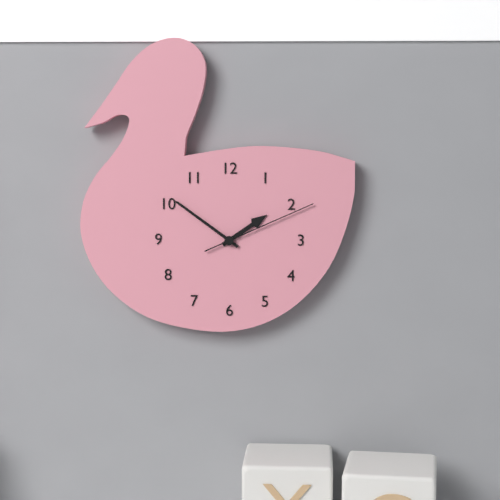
1:51:11
